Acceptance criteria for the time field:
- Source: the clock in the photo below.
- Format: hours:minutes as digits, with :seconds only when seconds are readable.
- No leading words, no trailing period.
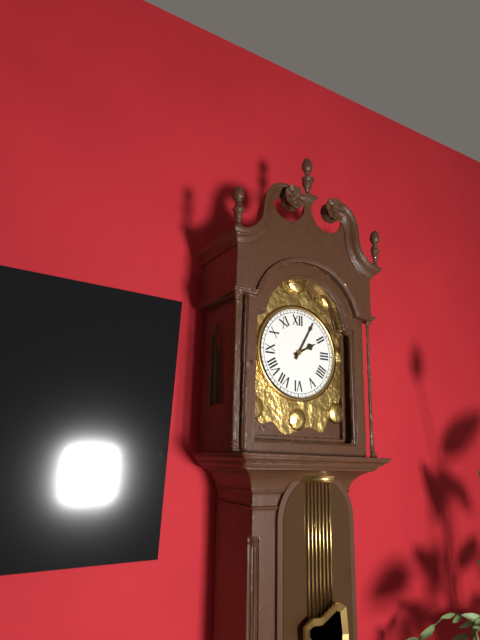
2:05
